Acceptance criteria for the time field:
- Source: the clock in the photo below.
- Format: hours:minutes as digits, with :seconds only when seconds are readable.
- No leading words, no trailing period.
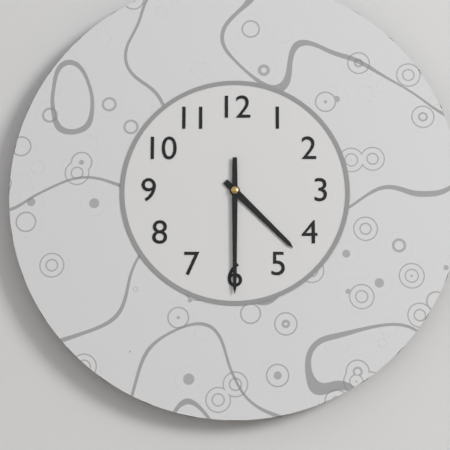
4:30
